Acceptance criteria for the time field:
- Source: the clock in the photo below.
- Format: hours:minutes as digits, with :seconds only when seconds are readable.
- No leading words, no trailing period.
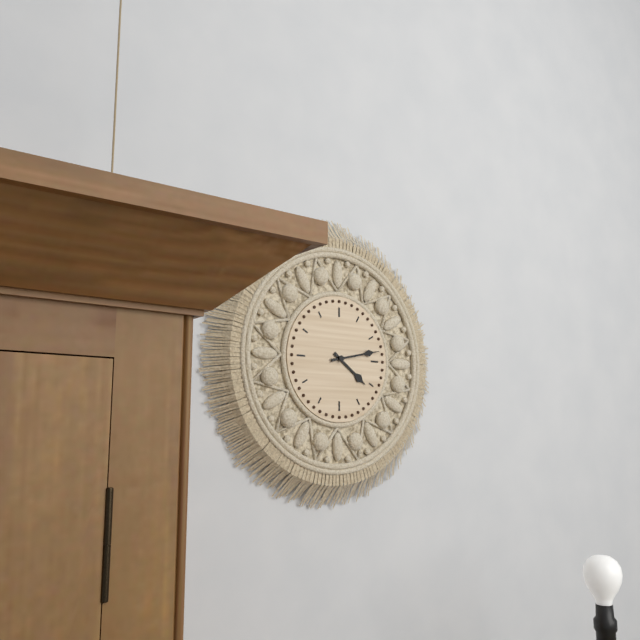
4:13
